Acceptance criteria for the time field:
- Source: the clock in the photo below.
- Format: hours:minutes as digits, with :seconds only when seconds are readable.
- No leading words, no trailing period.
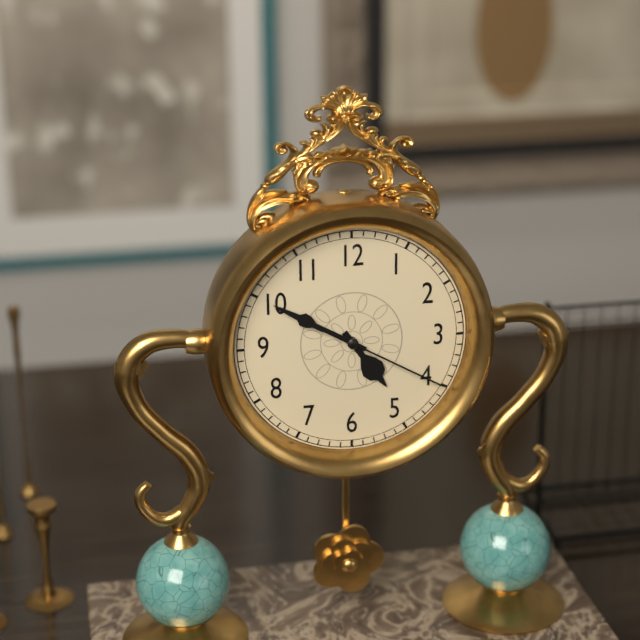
4:50:20
